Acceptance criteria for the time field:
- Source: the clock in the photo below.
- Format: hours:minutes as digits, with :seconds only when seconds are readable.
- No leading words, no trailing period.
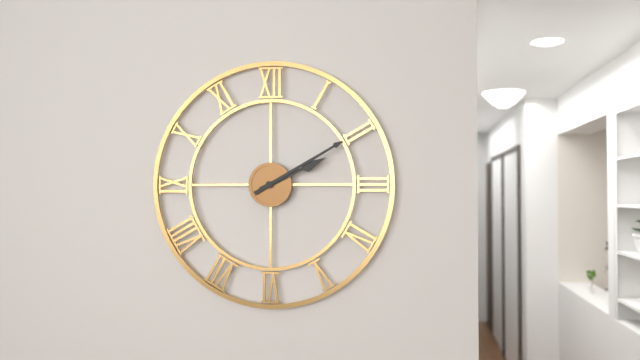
2:10
